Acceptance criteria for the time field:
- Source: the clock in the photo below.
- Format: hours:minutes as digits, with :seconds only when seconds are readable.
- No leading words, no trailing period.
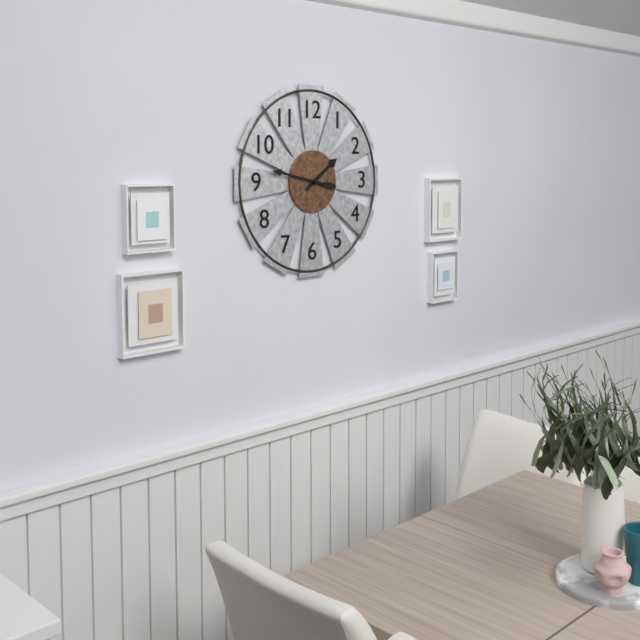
1:47
